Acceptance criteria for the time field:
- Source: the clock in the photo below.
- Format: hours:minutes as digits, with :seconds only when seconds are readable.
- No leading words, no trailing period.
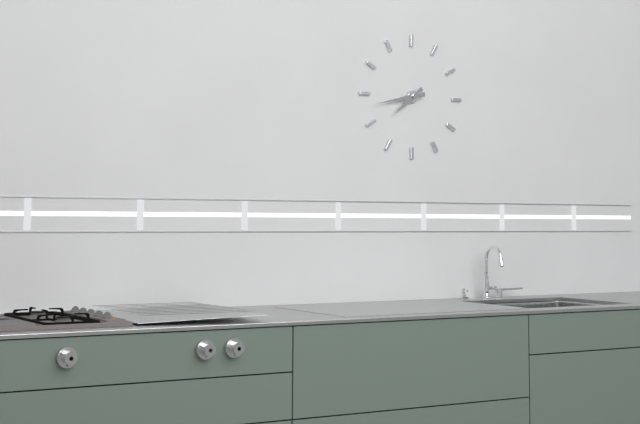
7:43
